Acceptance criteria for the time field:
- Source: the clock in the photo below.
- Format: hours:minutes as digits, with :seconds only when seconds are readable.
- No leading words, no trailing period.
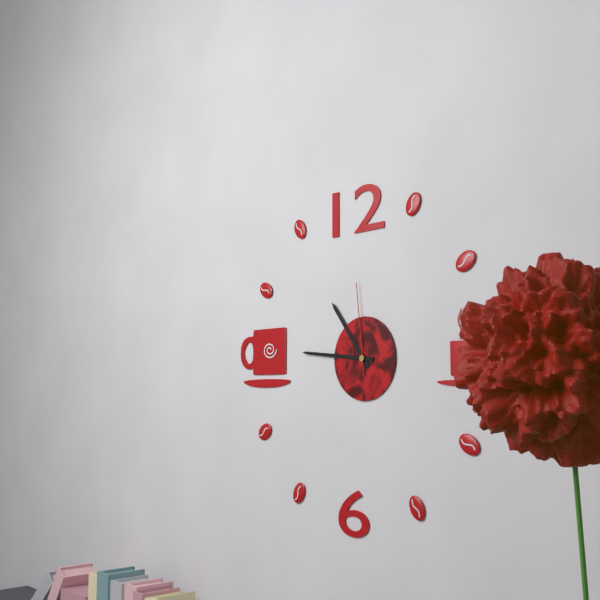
10:46:59
